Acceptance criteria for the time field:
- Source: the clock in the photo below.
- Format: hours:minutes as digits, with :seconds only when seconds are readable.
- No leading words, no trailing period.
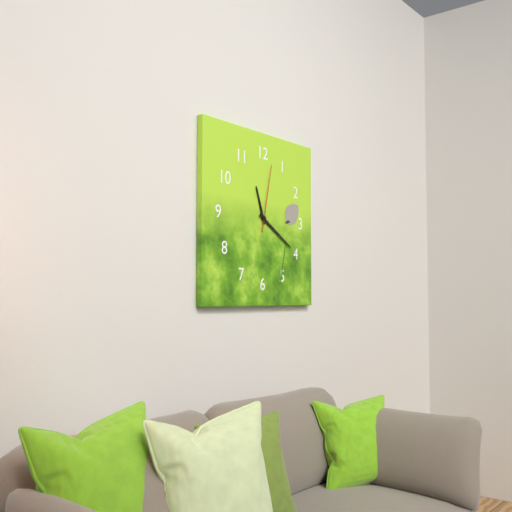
11:20:02
